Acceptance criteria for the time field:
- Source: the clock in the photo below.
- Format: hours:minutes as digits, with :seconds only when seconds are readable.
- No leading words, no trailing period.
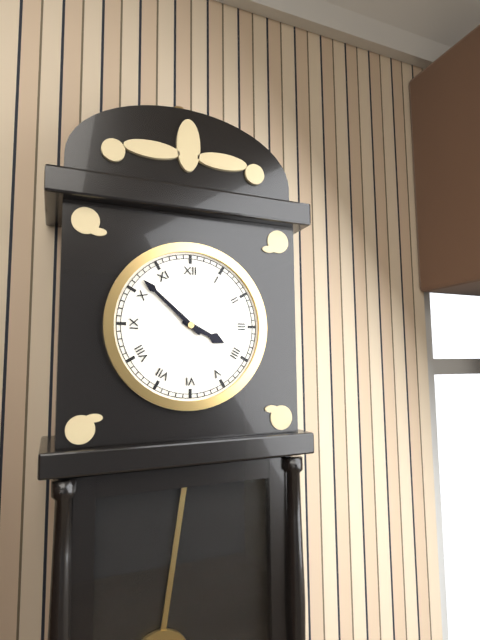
3:52
